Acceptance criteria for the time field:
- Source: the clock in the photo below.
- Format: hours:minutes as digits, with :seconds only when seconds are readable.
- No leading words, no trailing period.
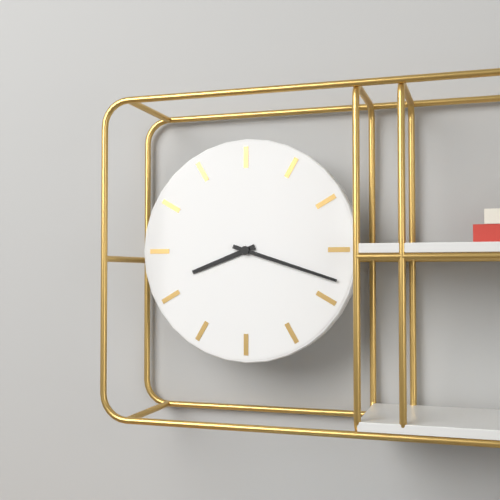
8:18
